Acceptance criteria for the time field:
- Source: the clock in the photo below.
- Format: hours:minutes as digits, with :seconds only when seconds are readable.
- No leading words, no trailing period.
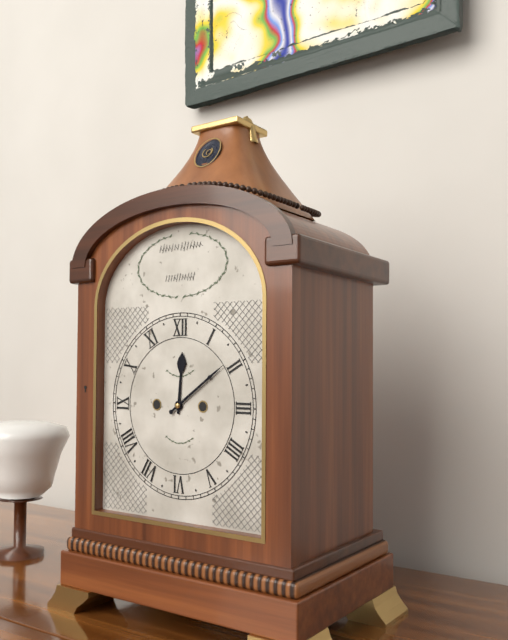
12:09
